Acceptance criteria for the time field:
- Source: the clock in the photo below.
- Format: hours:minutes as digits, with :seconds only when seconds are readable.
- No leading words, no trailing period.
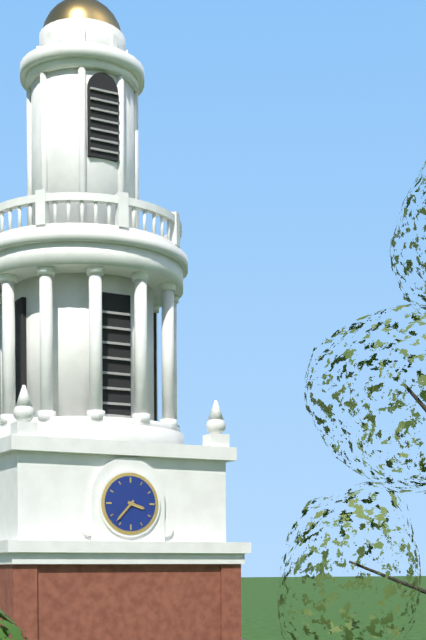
3:37
